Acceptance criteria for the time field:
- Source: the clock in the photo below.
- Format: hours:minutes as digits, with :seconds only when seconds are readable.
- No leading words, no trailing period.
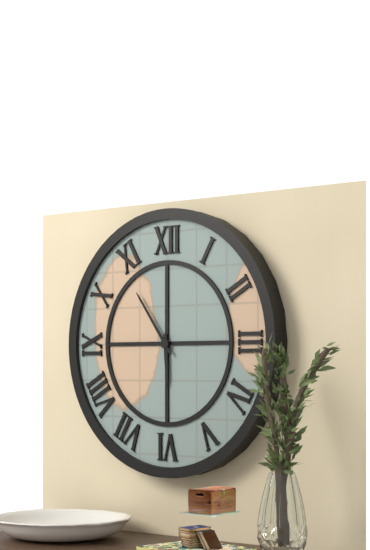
5:54
